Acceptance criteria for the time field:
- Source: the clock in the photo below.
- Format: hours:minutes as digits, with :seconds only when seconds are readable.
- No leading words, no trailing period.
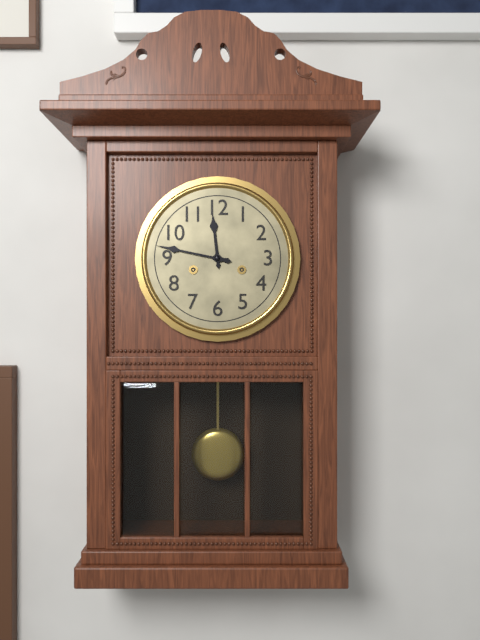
11:47
